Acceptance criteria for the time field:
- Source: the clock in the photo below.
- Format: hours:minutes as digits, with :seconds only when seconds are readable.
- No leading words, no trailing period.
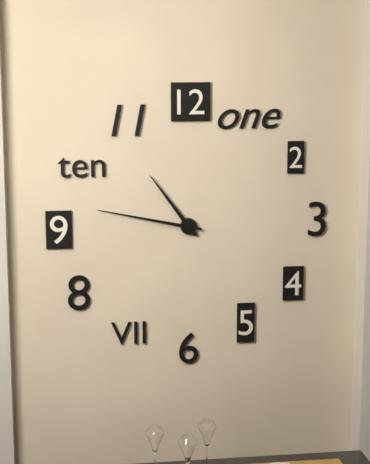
10:47
